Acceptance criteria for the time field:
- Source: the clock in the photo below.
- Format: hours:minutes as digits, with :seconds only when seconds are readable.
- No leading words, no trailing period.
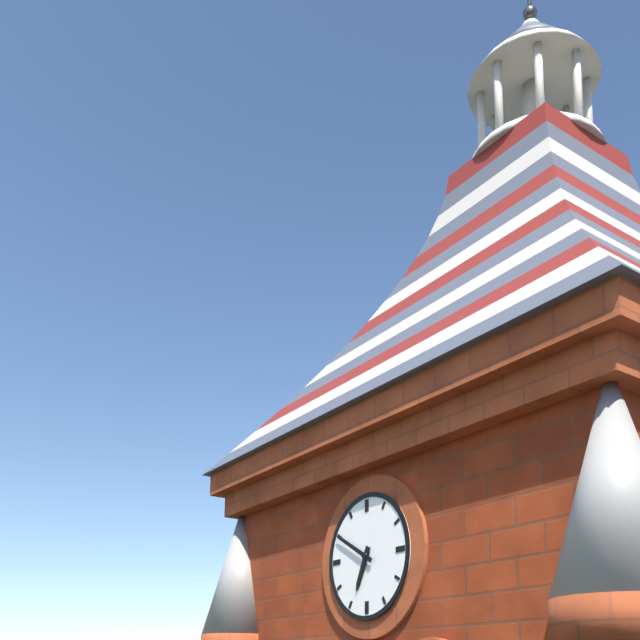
6:50
